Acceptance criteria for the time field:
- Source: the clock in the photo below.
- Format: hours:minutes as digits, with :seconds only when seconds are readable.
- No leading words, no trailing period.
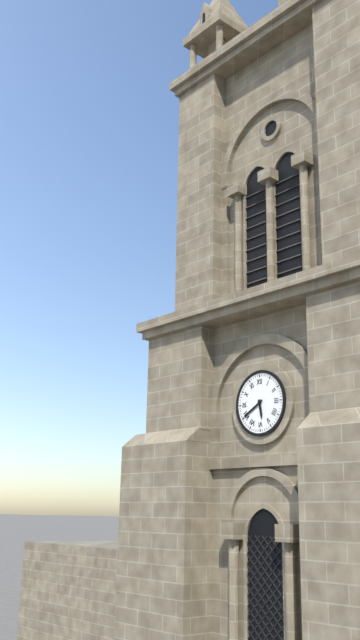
5:40
